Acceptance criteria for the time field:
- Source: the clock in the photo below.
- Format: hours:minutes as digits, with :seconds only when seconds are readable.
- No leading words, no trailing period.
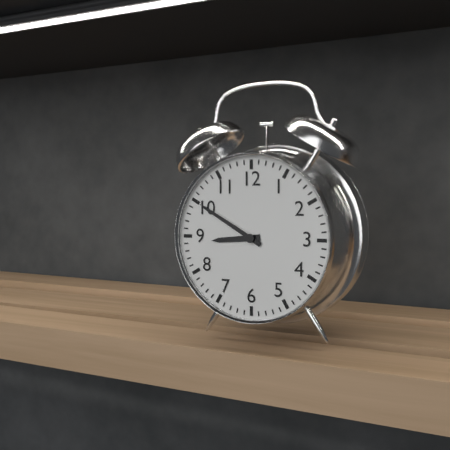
8:50
